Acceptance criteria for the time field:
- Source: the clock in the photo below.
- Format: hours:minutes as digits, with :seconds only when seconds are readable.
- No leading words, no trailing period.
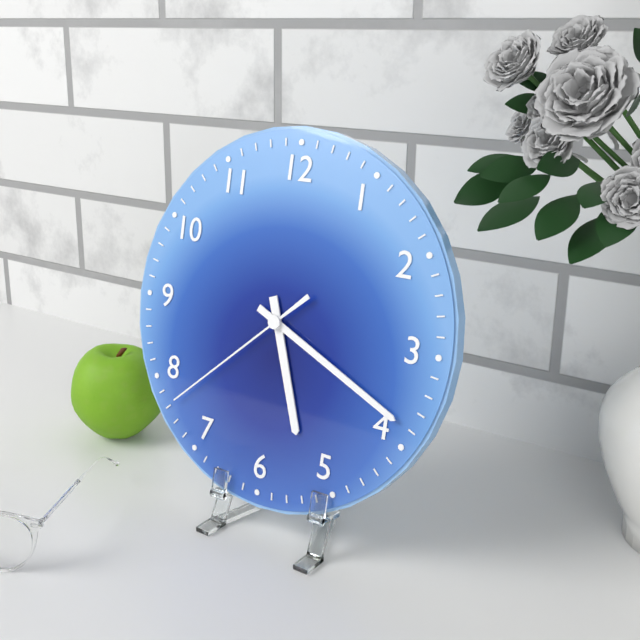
5:19:38
